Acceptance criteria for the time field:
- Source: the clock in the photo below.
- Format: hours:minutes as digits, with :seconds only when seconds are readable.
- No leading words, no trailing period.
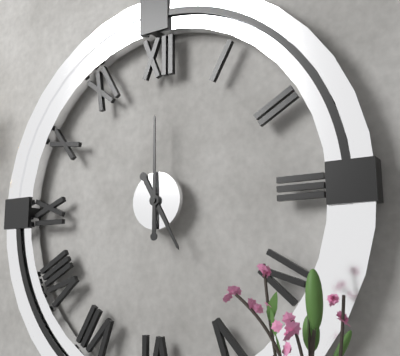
5:00
